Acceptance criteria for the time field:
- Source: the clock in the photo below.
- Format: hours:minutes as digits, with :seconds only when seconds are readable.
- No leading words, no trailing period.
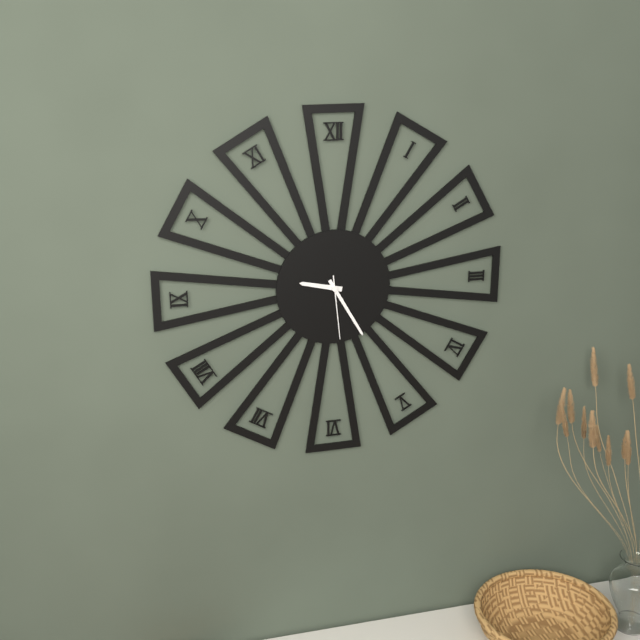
9:25:29
